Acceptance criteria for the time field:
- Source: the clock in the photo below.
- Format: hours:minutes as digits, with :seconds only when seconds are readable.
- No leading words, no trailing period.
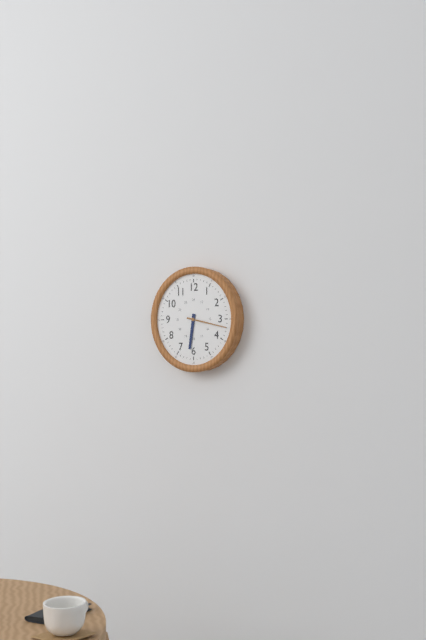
6:17
